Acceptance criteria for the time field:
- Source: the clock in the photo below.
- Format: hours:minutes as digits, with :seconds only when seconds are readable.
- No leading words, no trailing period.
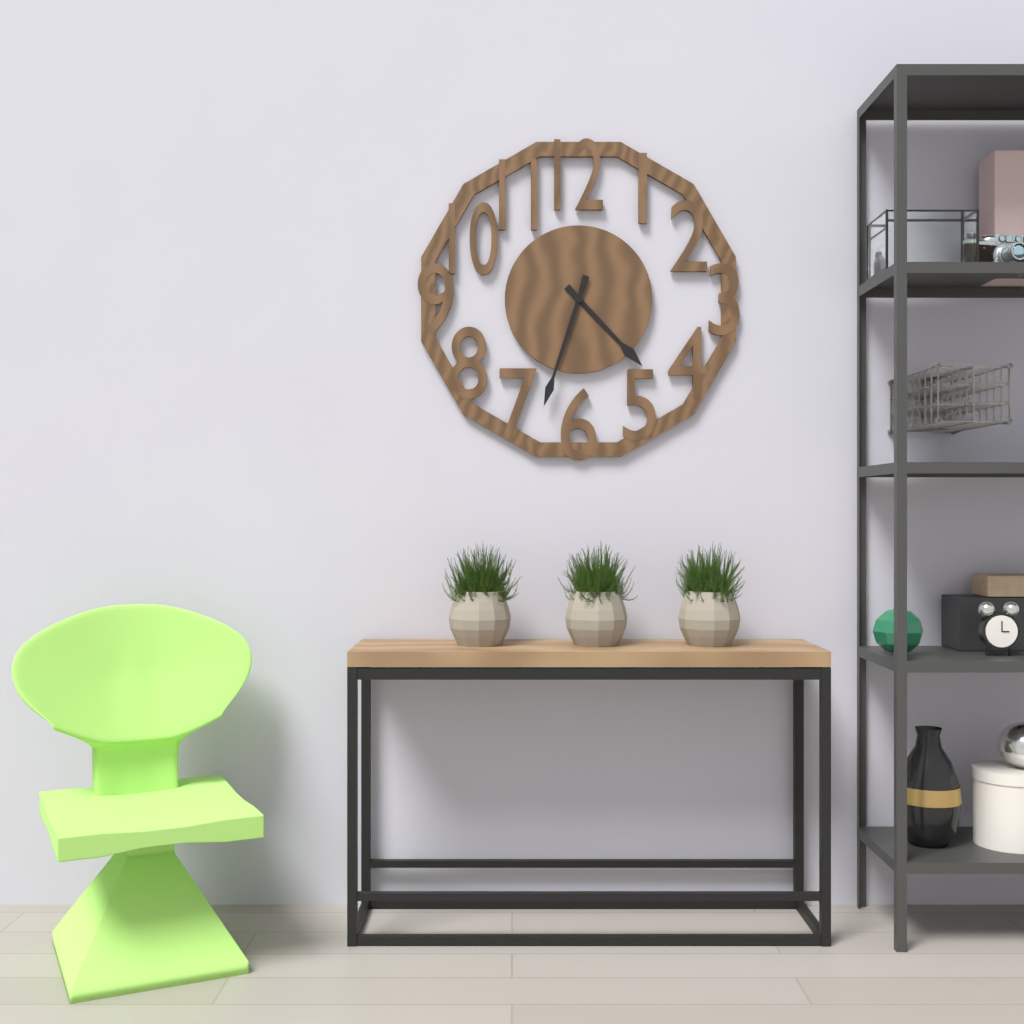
4:33
